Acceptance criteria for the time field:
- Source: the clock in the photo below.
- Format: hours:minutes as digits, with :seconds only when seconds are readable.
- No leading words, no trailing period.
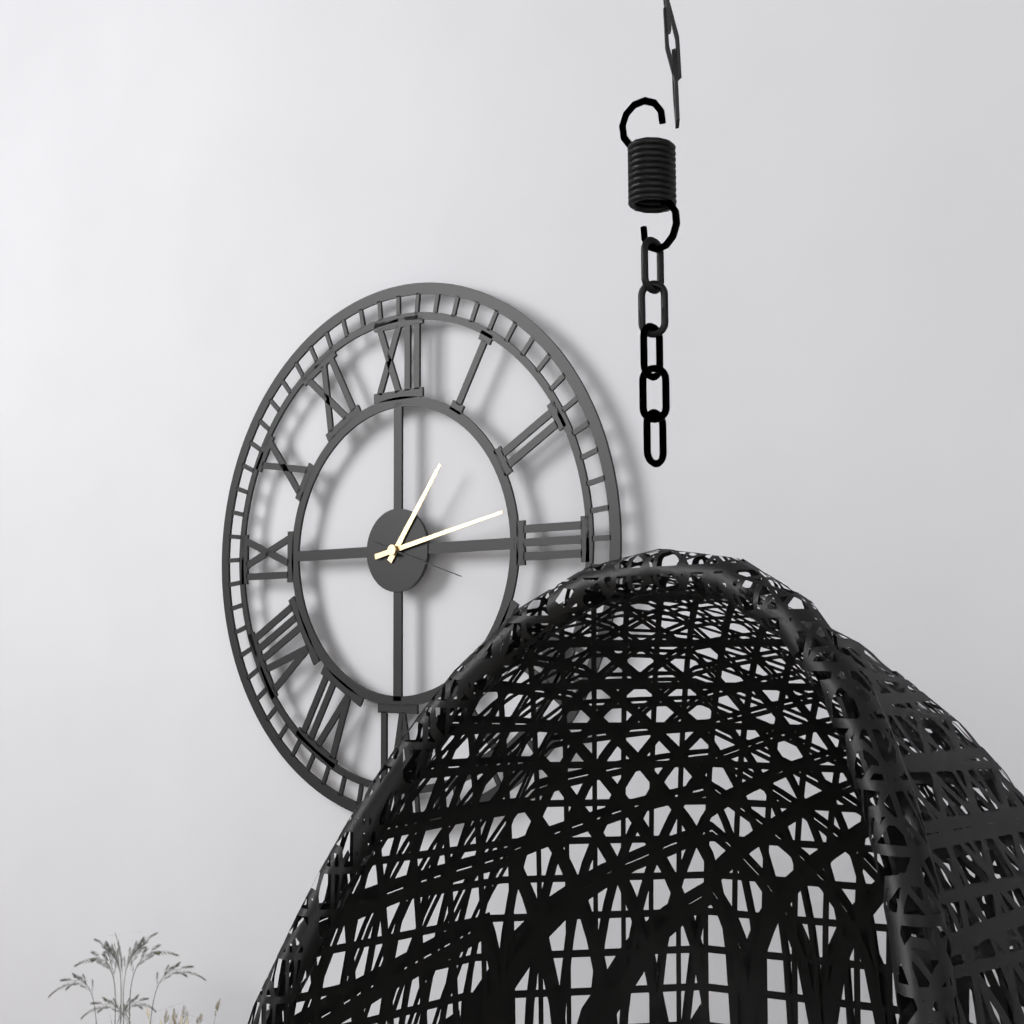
1:13:18
